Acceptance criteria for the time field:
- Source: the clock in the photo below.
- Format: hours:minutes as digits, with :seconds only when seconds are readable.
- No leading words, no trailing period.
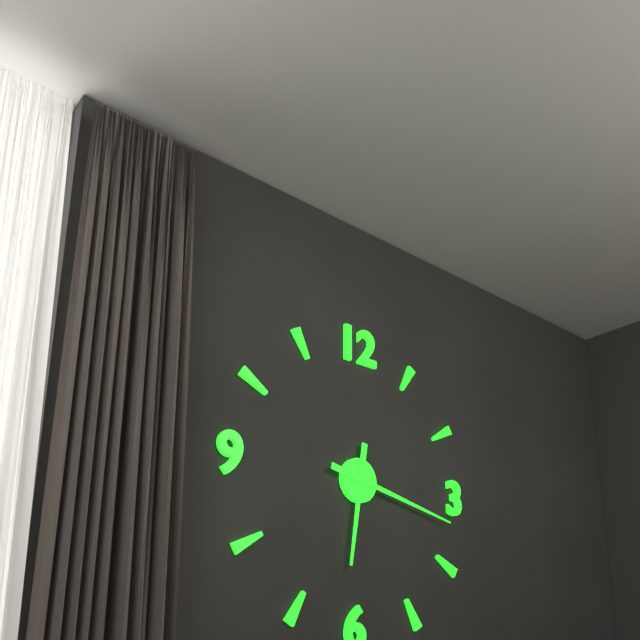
6:17
